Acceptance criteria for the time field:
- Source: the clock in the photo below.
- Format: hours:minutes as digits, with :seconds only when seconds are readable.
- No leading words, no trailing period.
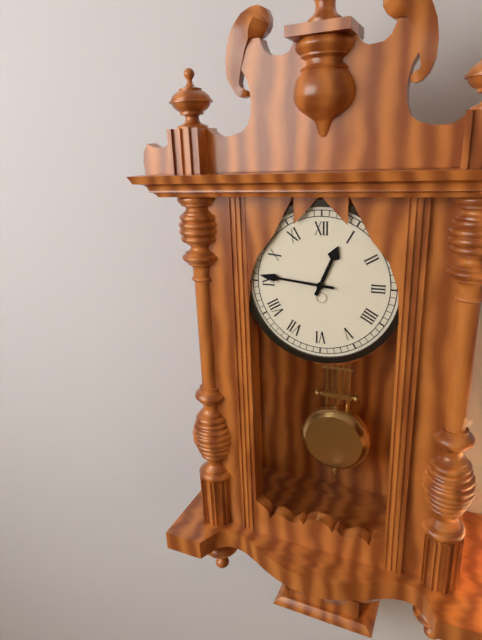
12:46
